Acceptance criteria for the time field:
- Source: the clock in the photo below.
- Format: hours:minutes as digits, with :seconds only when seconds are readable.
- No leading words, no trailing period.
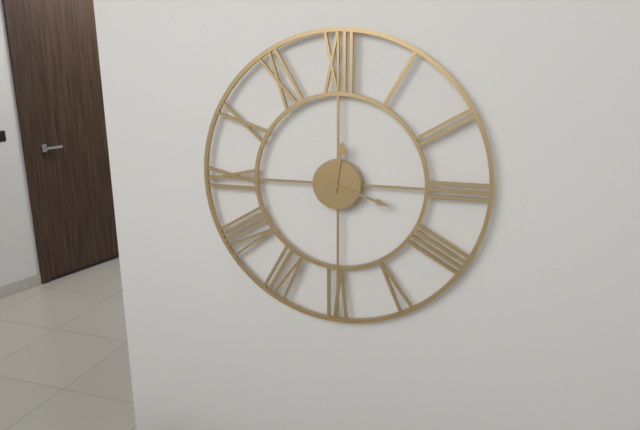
12:18
